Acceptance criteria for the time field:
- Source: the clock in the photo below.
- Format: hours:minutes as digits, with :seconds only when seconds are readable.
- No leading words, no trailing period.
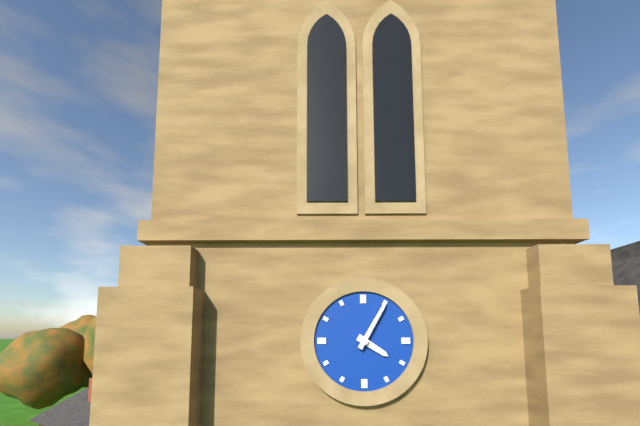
4:05
